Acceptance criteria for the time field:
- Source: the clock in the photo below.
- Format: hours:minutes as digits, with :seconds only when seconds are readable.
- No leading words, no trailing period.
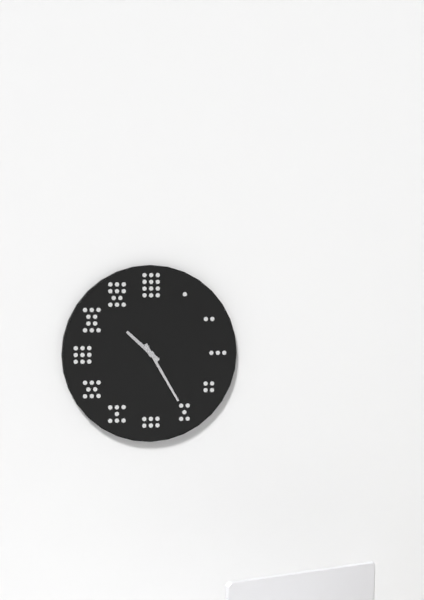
10:25
